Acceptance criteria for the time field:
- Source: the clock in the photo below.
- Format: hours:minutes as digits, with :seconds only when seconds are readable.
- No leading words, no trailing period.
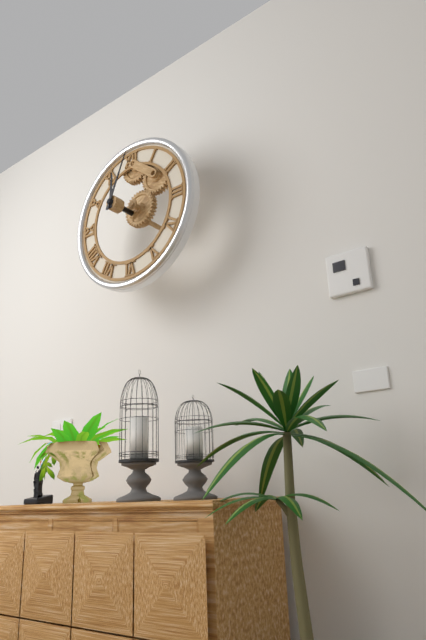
12:04
